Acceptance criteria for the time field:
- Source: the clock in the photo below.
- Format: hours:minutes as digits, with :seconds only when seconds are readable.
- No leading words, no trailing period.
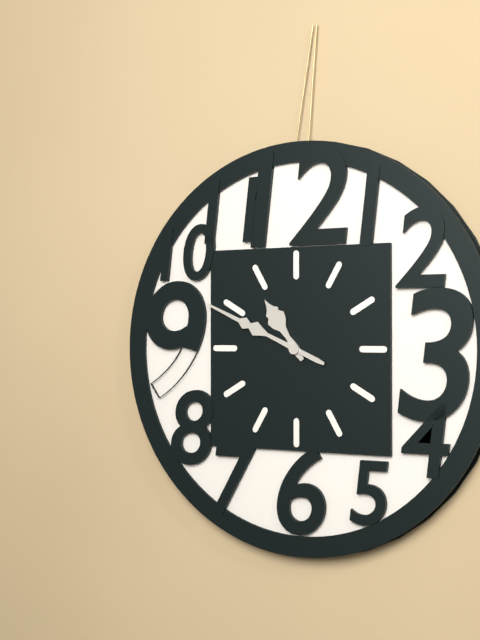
10:49
